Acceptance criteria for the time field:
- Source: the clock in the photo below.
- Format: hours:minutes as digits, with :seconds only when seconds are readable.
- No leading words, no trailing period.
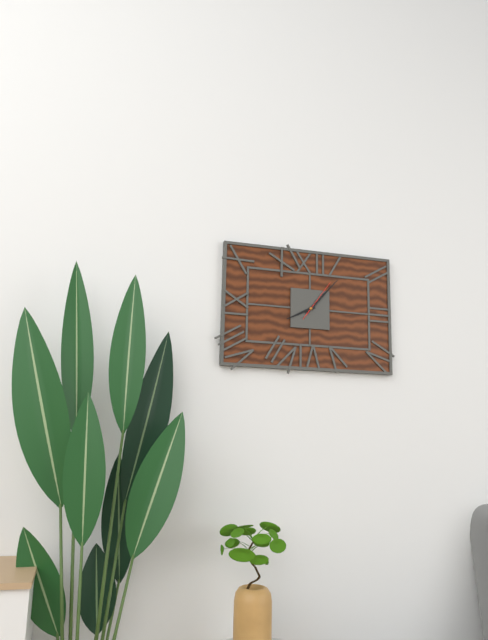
8:07
